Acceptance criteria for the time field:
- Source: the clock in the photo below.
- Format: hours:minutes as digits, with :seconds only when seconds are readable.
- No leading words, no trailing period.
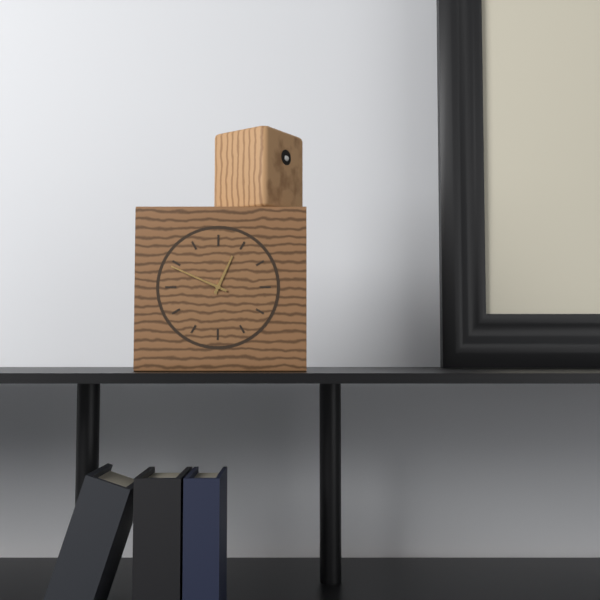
12:49
